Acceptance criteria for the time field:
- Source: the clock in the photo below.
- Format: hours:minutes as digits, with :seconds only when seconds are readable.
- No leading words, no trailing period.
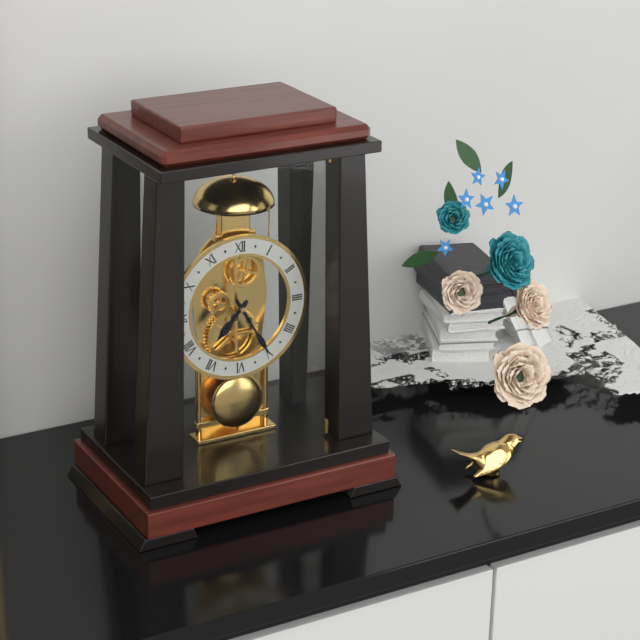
7:25
